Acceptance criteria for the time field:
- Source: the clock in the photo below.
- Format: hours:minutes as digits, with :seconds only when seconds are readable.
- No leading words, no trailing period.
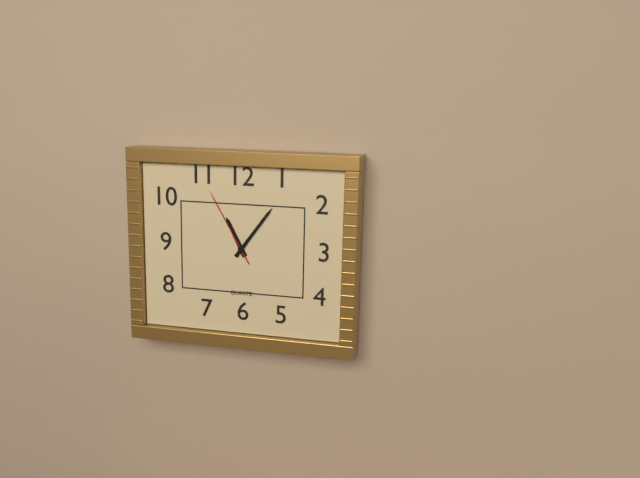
11:06:55
